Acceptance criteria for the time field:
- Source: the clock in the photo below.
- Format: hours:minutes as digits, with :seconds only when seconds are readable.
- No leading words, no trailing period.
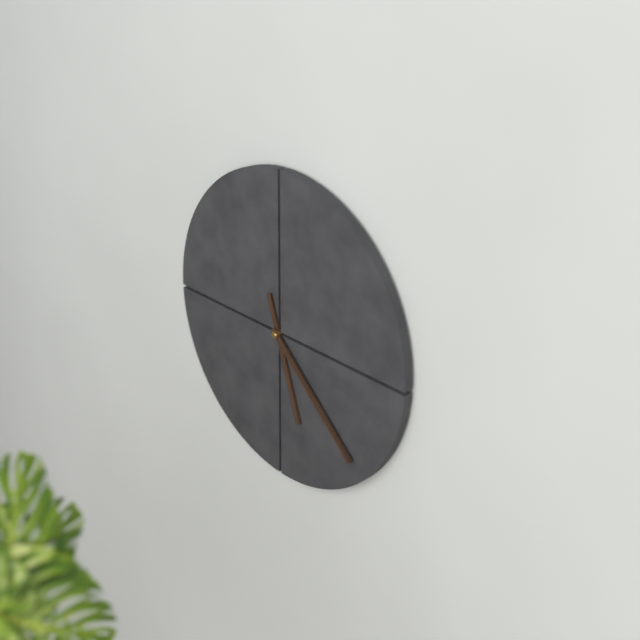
5:22
